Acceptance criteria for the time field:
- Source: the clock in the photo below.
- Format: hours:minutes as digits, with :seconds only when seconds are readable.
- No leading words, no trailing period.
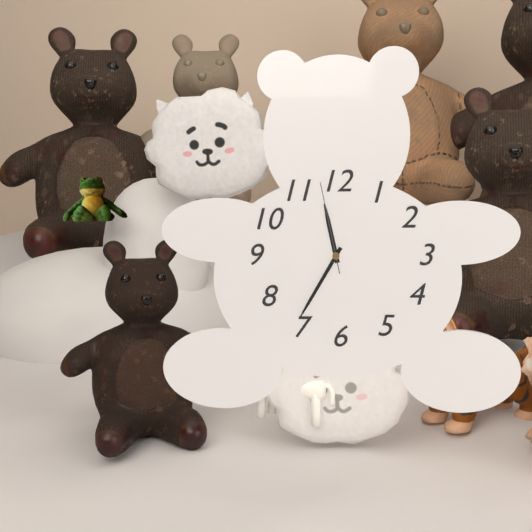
11:35:58
